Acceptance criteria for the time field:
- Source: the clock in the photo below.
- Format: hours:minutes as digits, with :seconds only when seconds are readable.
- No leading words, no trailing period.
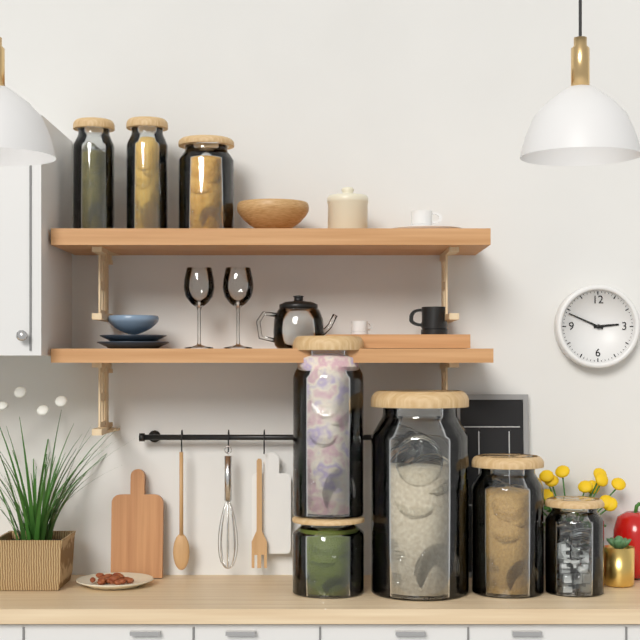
2:49
